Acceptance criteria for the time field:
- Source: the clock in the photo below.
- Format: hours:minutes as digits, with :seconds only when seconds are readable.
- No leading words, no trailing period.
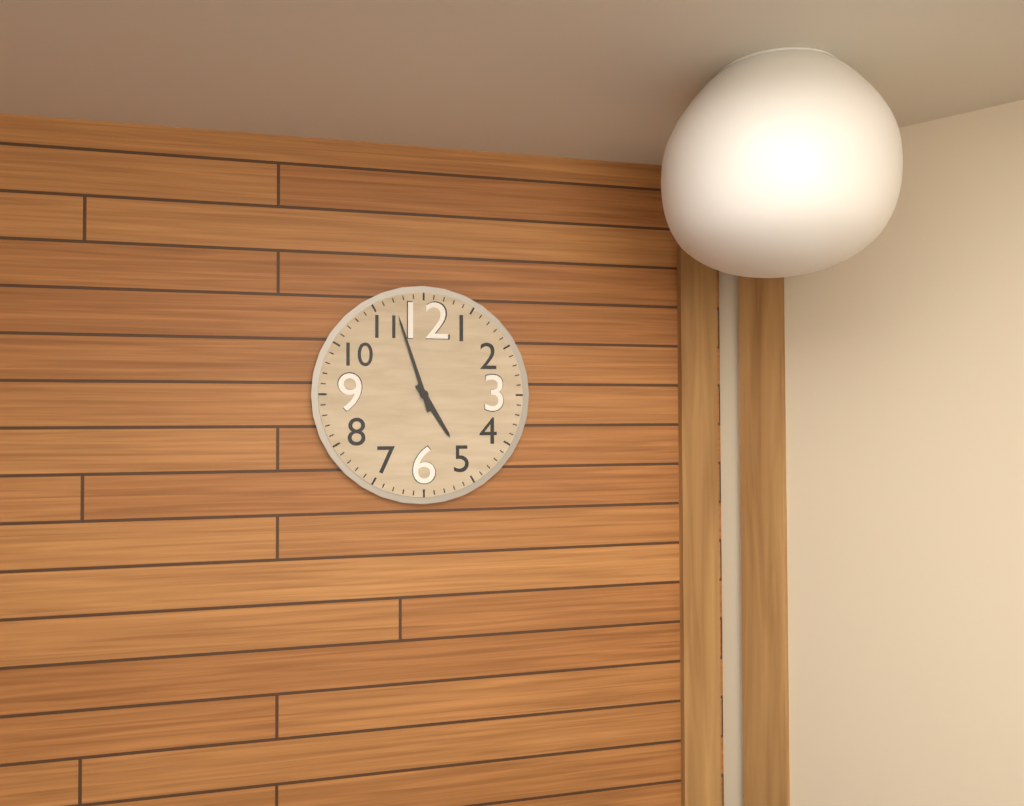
4:57
